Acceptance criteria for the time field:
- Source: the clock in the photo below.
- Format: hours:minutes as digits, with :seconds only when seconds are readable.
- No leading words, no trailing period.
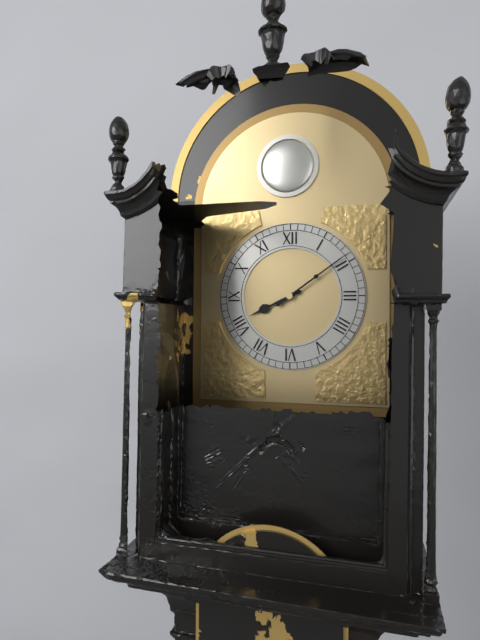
8:09
